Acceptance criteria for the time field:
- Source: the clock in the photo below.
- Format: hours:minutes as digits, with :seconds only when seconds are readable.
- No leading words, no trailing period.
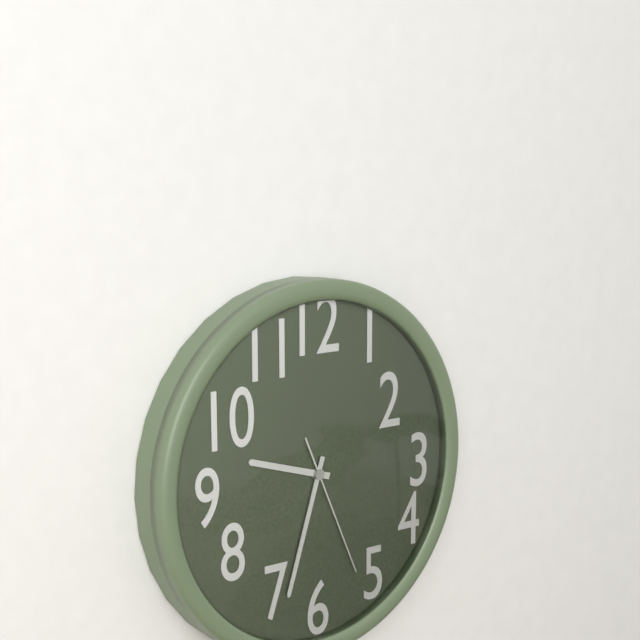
9:33:26
